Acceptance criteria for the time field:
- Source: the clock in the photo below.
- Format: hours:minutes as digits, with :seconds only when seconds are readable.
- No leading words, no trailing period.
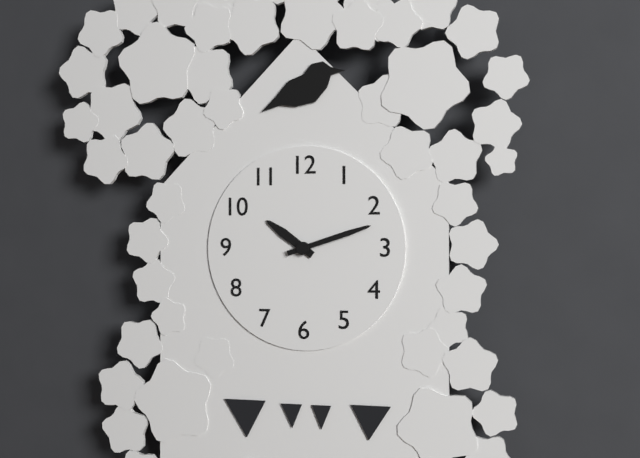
10:12
